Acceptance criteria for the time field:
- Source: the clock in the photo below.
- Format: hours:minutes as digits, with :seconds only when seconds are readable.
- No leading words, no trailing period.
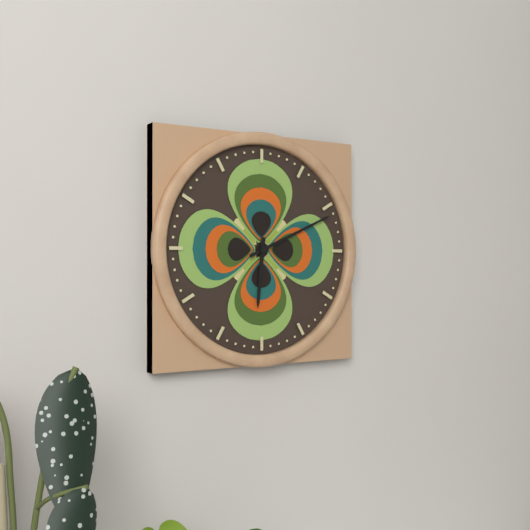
6:11
